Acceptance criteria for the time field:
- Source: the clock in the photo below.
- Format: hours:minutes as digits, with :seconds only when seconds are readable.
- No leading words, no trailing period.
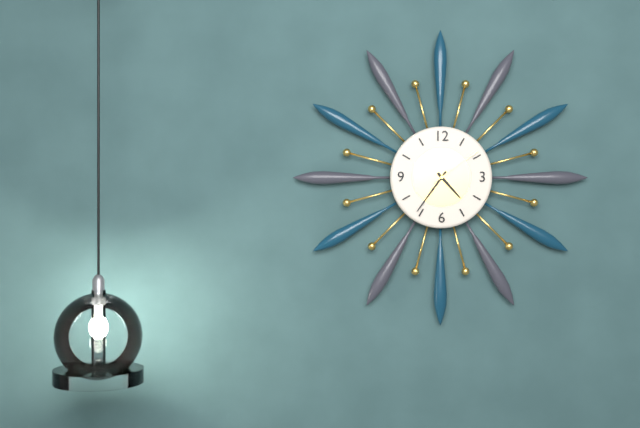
4:36:09
